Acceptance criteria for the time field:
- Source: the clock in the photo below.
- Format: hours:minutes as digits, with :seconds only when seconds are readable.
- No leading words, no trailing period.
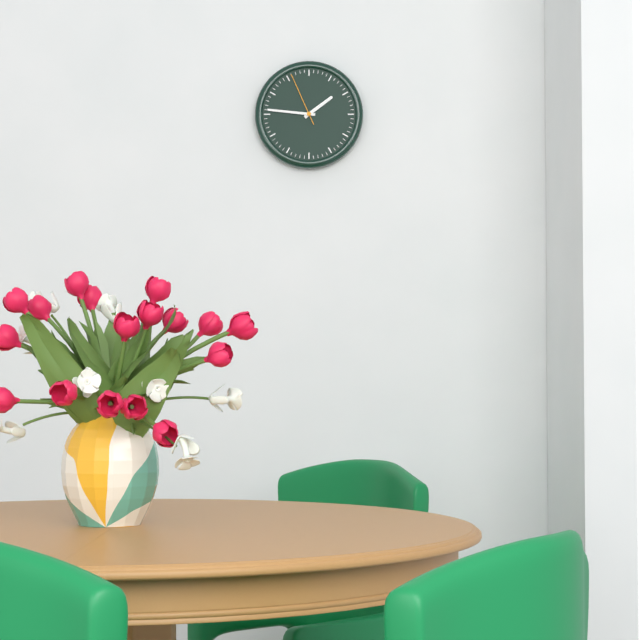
1:46:56
